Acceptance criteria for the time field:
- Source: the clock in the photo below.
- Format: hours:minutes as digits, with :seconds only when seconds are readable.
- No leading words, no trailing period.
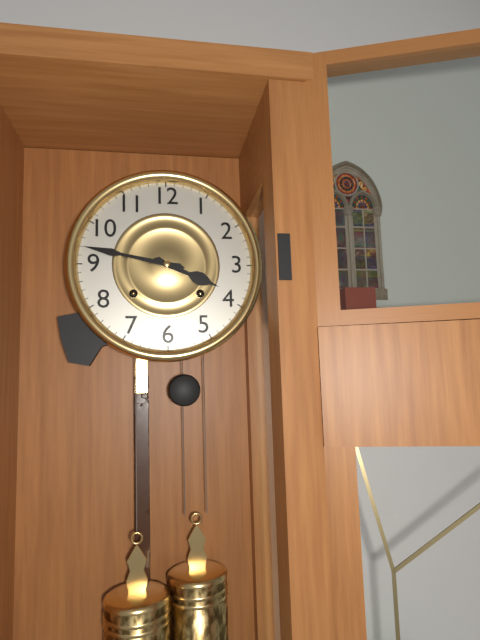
3:47
